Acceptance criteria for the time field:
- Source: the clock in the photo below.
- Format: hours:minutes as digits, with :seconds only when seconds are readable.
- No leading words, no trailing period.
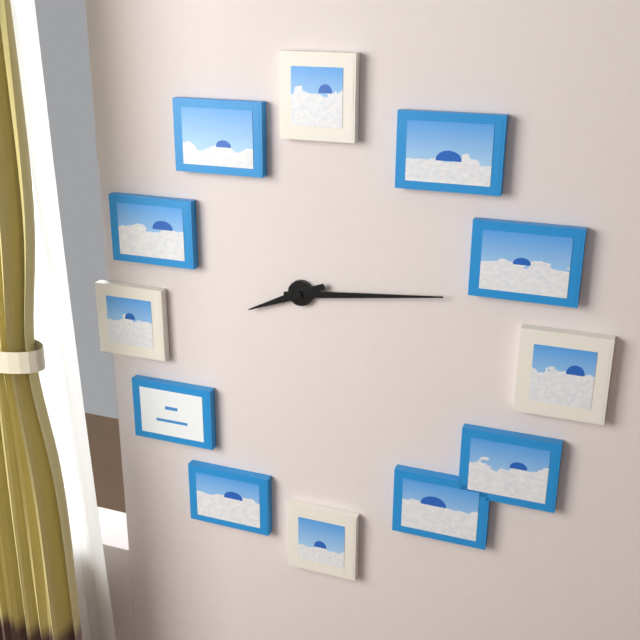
8:14
